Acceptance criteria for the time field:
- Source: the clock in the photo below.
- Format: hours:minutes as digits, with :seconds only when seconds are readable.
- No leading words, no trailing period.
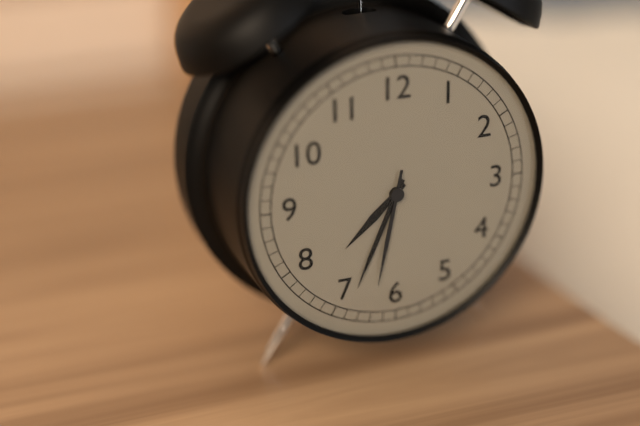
7:34:32
